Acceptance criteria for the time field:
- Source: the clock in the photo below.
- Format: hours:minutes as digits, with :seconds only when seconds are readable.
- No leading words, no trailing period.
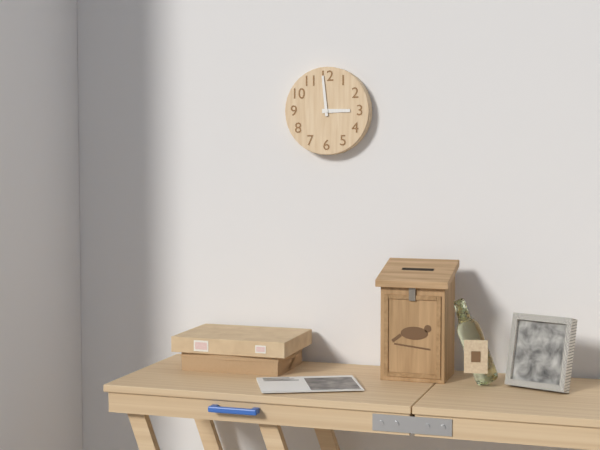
2:59
